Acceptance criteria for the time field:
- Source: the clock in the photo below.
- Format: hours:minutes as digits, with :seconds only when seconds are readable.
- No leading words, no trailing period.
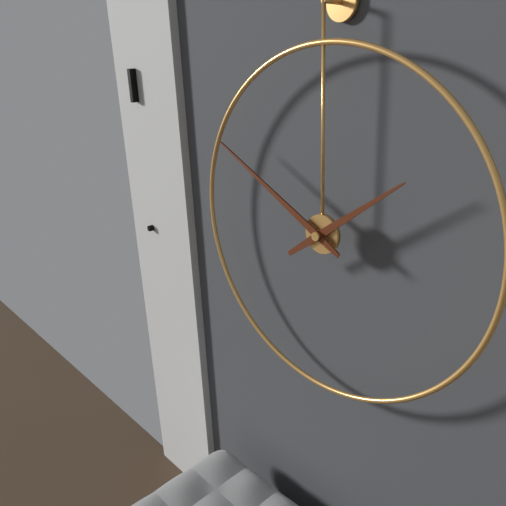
1:50
